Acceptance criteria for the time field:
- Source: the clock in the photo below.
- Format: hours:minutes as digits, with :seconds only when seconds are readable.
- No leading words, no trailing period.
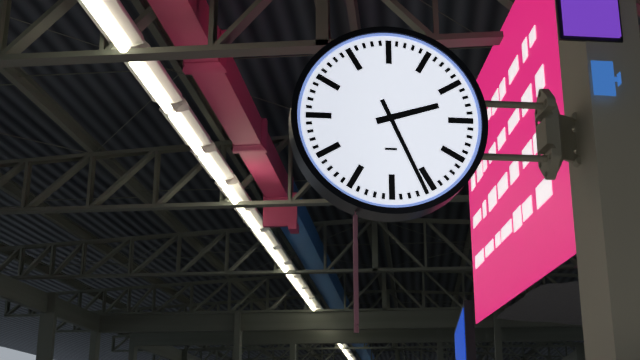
2:26
